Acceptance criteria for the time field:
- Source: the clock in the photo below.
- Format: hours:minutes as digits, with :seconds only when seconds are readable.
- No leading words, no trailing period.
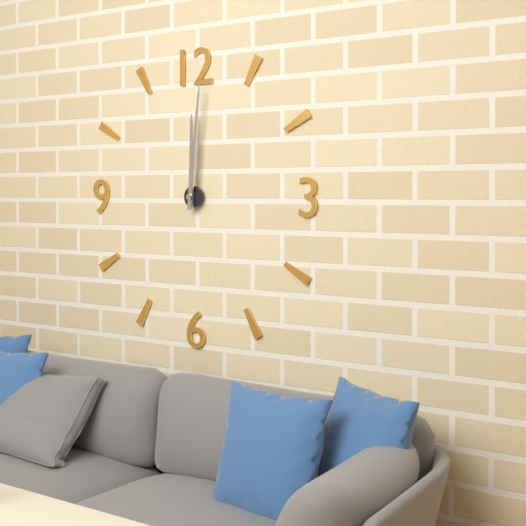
12:01
